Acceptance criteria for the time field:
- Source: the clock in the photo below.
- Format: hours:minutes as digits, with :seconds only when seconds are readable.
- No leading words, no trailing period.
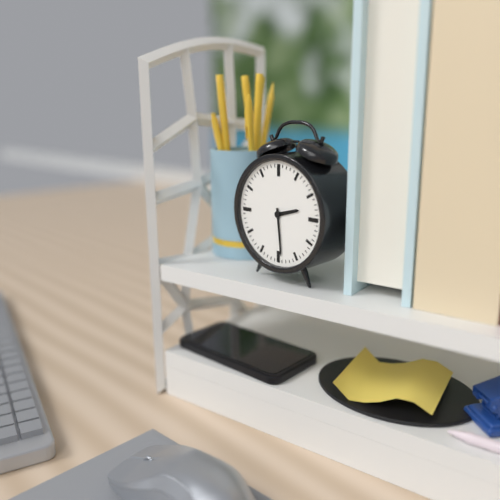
2:29
